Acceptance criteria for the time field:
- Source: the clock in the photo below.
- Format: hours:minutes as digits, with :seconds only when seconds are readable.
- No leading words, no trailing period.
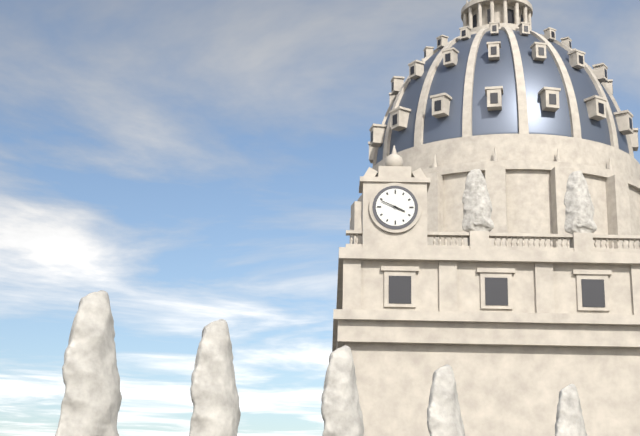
3:49
